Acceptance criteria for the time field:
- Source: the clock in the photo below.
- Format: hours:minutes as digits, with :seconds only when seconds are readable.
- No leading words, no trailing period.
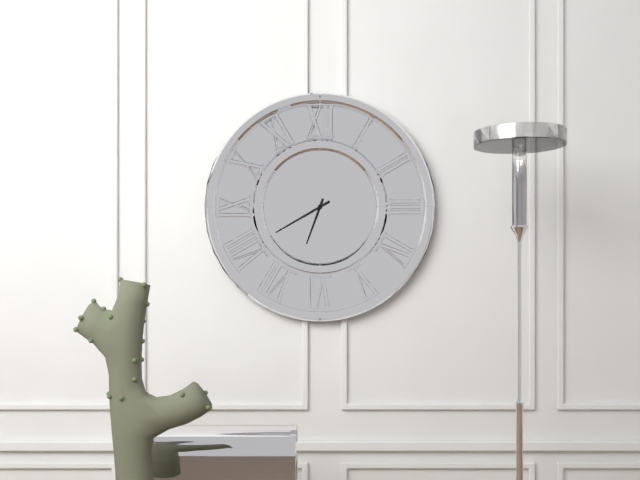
6:40
